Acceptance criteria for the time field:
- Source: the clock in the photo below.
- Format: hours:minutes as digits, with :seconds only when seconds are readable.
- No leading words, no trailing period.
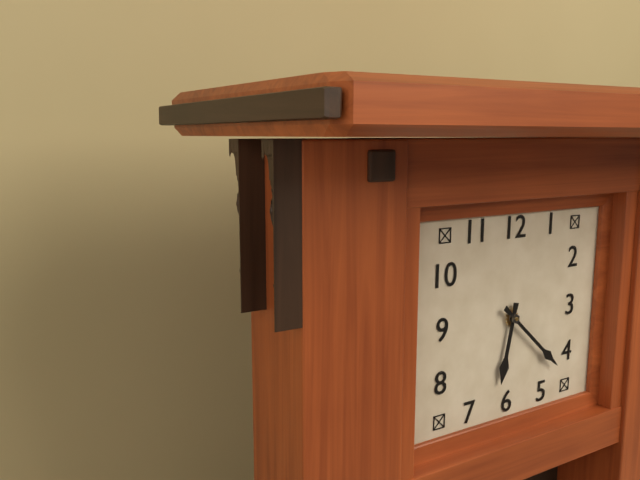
6:22
